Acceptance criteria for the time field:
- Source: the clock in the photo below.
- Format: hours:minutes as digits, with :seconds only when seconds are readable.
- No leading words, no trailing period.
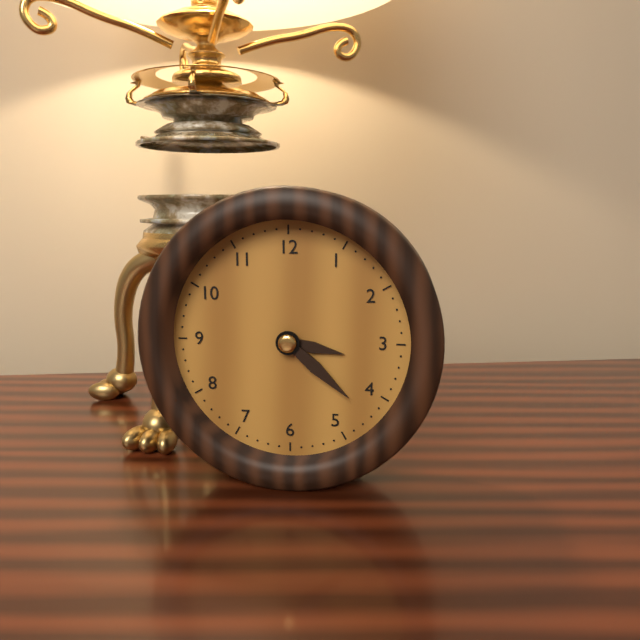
3:22
